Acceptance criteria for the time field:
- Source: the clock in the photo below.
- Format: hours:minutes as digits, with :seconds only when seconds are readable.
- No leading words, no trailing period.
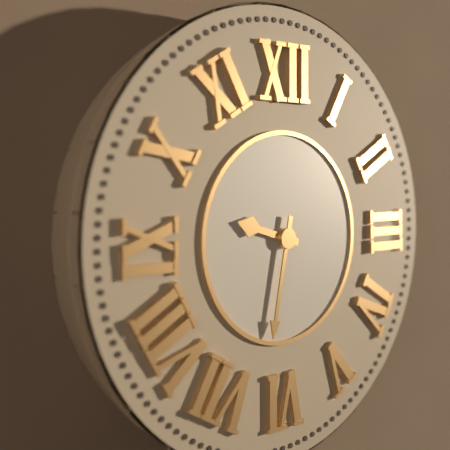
9:32
